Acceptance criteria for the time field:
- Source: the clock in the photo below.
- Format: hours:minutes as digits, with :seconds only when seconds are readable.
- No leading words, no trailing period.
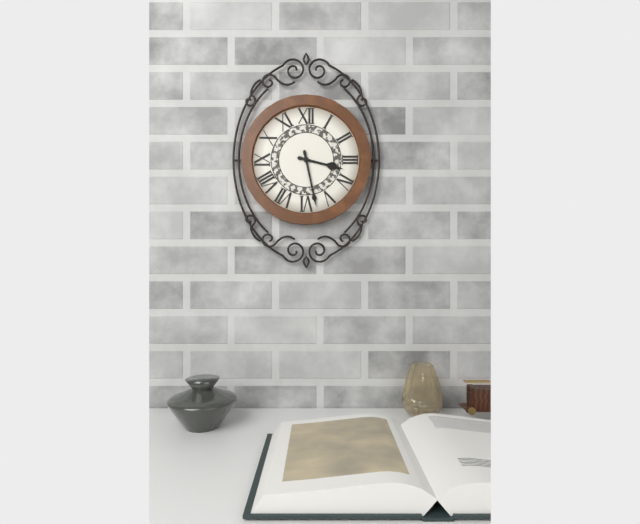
3:28
